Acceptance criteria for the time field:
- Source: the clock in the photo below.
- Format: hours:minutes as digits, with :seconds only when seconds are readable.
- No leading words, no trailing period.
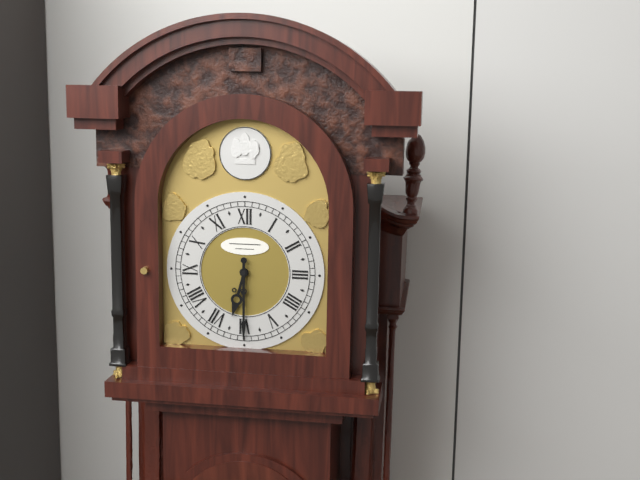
6:30
